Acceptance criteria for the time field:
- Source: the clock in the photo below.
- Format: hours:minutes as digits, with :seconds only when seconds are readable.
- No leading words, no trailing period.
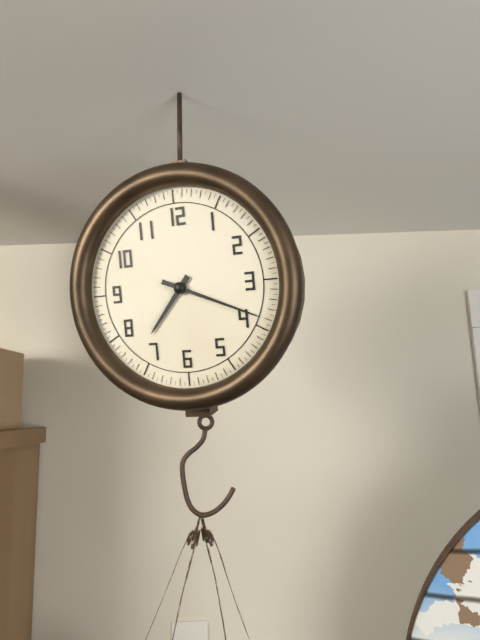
7:19
